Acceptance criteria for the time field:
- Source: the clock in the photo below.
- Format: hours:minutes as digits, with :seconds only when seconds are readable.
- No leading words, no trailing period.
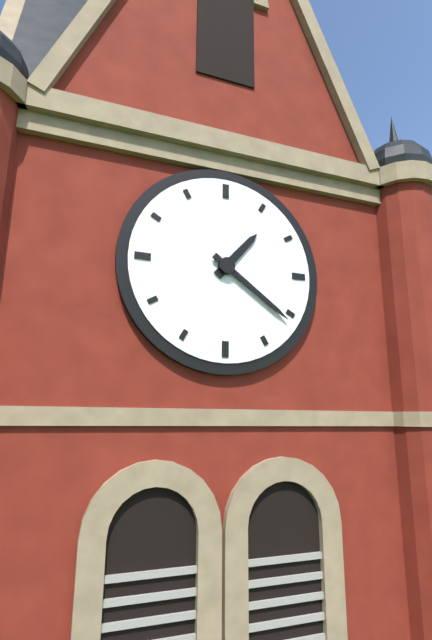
1:21
